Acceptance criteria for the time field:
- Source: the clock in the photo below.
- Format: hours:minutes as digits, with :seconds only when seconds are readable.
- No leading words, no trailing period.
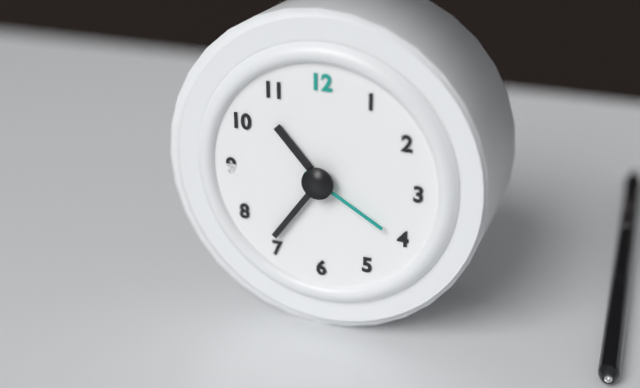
10:36:20
